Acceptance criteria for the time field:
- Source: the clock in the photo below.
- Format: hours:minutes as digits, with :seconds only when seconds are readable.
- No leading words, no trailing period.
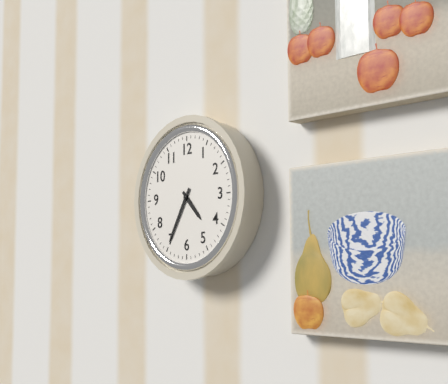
4:35
